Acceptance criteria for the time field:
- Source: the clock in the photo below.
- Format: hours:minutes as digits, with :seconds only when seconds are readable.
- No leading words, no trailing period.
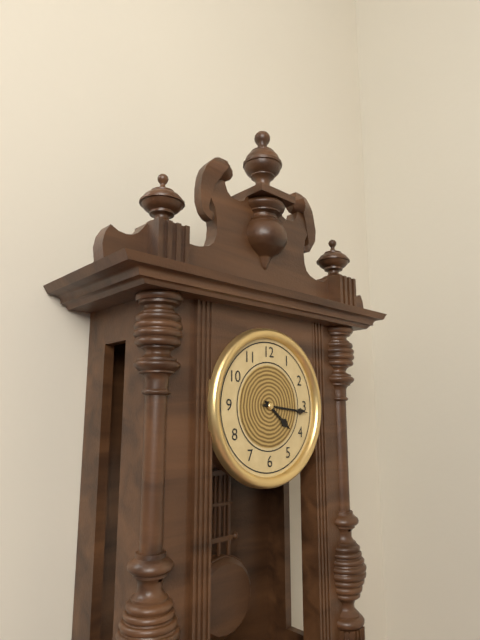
4:16
